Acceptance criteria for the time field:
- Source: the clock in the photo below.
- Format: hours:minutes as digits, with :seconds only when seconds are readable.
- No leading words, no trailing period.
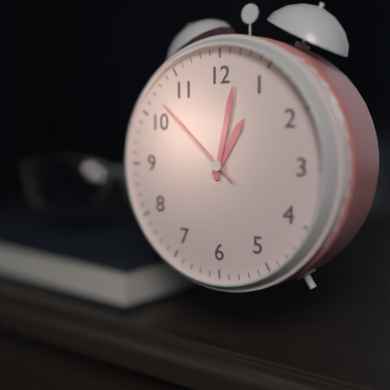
1:02:52
